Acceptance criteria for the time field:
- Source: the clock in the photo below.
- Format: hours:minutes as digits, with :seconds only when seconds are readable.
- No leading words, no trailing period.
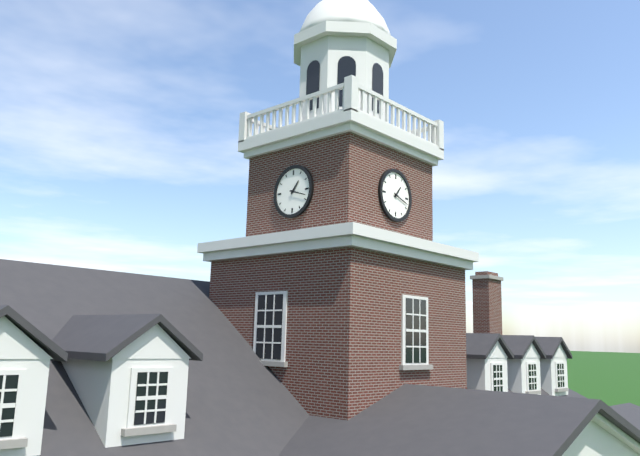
1:18
